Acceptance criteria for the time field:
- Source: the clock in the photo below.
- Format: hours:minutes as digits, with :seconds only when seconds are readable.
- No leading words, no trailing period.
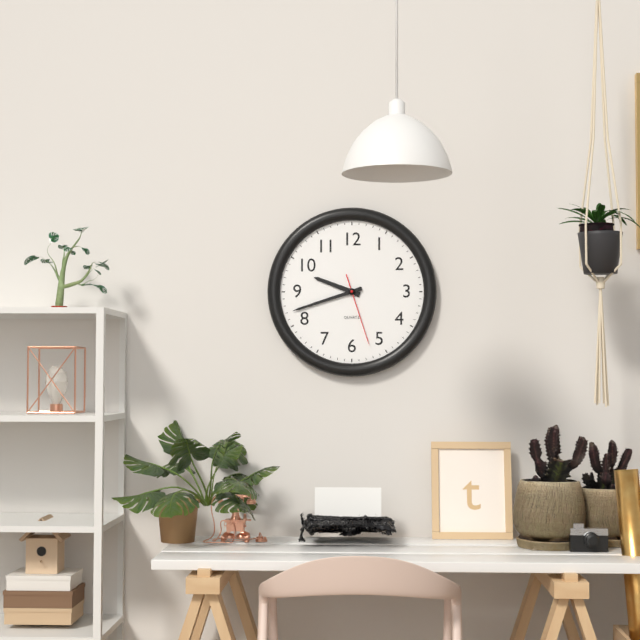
9:42:27
